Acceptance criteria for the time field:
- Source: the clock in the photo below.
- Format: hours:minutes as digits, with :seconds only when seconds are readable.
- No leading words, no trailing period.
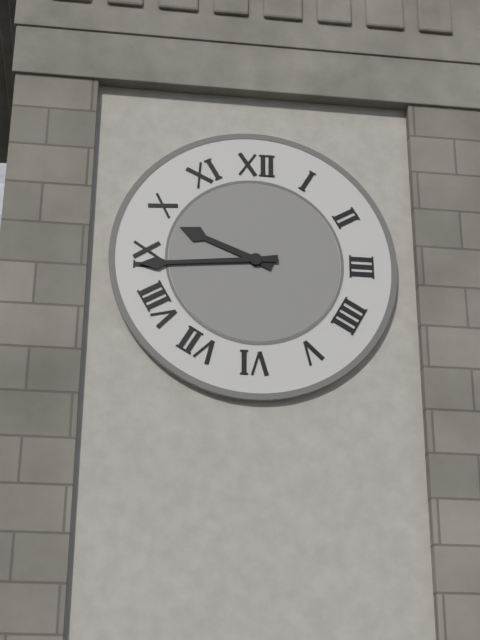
9:44
